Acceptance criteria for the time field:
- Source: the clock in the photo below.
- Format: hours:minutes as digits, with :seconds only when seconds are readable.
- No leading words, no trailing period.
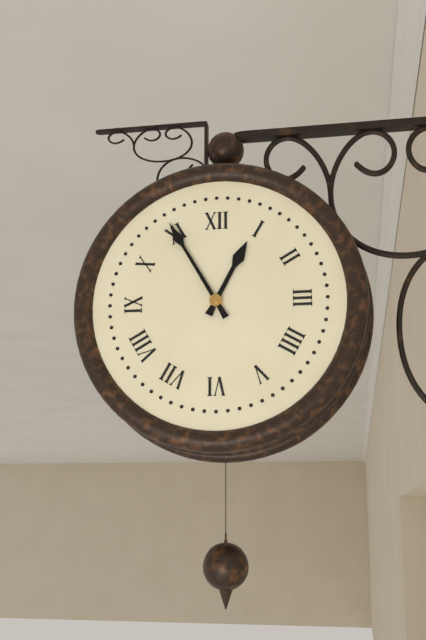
12:55
